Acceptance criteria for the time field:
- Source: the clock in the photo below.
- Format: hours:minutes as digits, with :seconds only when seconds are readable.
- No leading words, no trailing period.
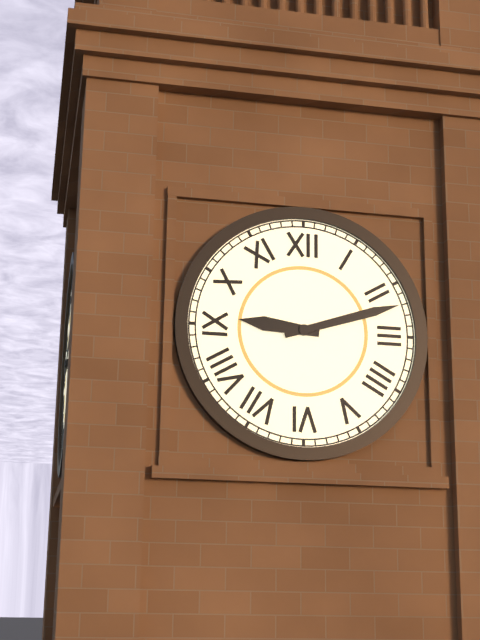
9:12
